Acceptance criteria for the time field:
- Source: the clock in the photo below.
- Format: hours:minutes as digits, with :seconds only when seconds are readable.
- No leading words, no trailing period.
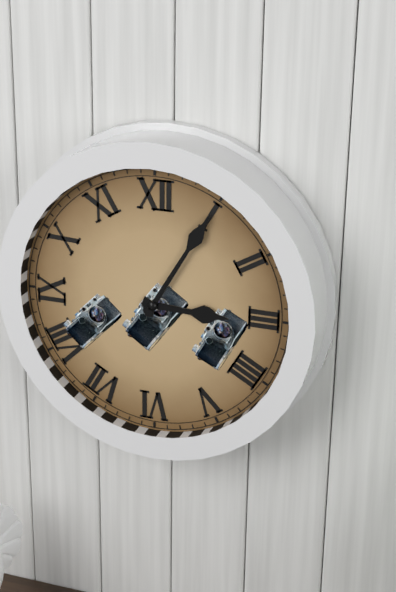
3:05
